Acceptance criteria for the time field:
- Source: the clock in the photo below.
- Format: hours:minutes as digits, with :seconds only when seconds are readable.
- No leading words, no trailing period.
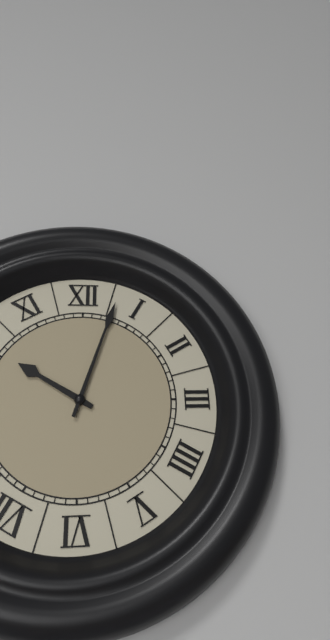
10:03
